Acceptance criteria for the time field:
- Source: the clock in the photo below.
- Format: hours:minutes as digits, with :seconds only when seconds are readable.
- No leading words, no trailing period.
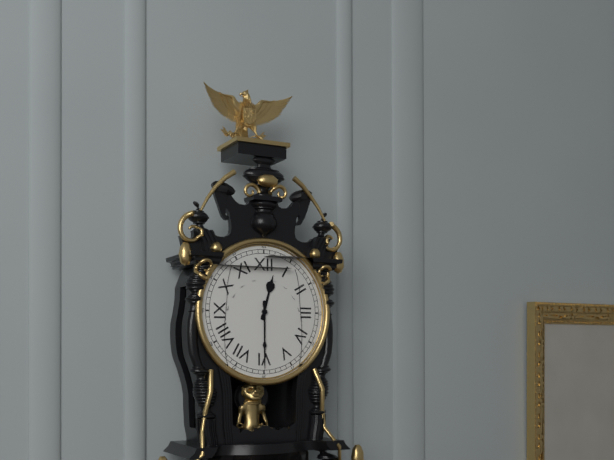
12:30
